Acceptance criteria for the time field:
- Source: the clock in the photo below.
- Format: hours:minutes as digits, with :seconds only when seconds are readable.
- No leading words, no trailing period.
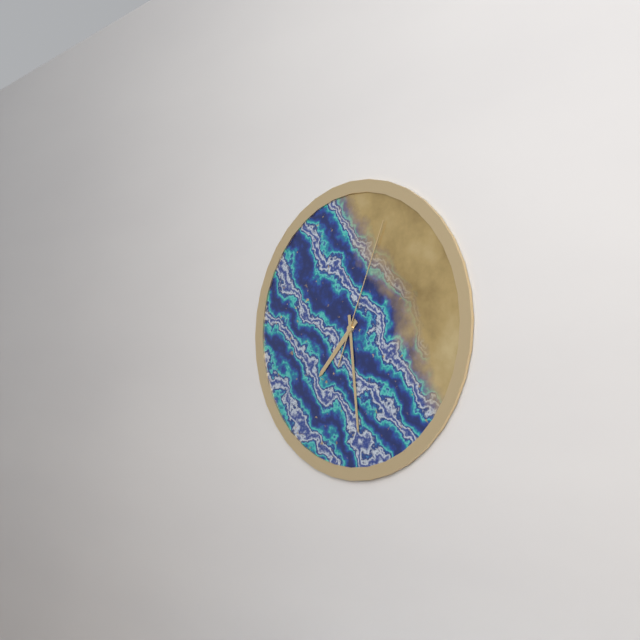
7:29:04
